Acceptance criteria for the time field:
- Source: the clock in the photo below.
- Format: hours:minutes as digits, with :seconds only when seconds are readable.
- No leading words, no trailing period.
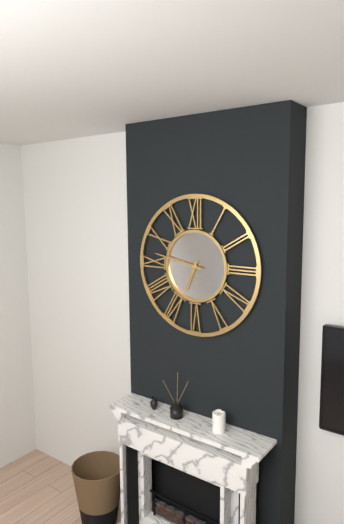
6:47
